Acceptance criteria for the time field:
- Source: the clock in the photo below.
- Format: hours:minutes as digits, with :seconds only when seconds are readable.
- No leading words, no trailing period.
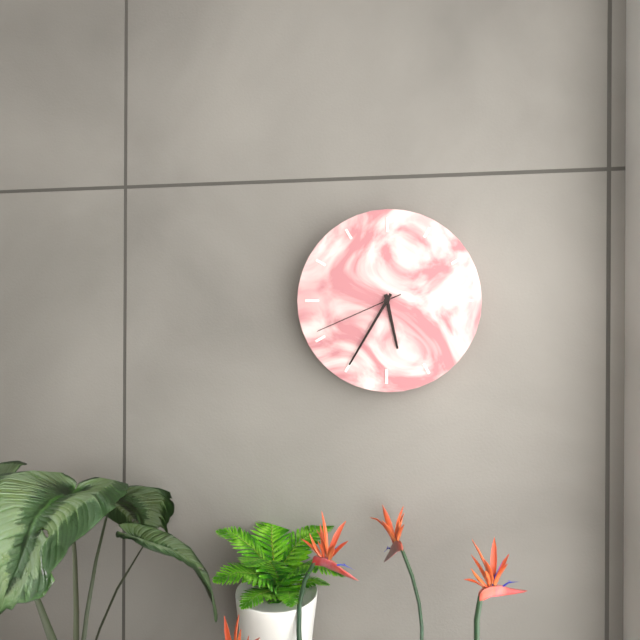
5:35:41
